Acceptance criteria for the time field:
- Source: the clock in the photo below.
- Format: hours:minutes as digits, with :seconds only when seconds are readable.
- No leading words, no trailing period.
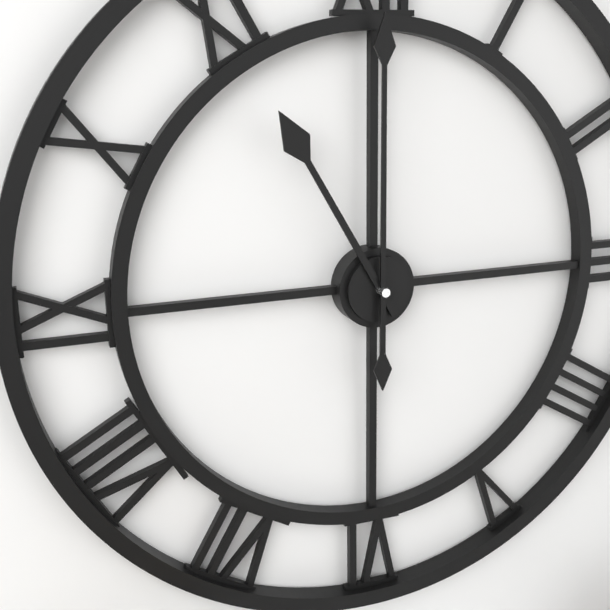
11:00
